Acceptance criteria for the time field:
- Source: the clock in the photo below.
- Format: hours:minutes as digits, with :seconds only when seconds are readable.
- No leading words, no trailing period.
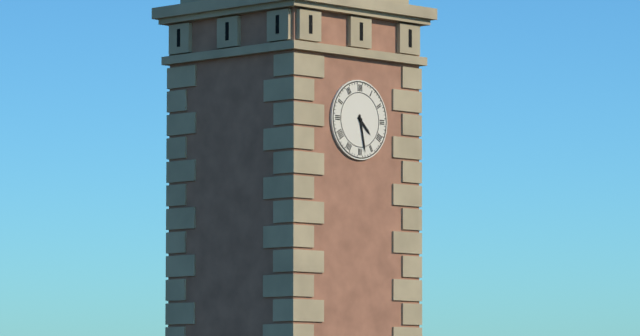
4:28
